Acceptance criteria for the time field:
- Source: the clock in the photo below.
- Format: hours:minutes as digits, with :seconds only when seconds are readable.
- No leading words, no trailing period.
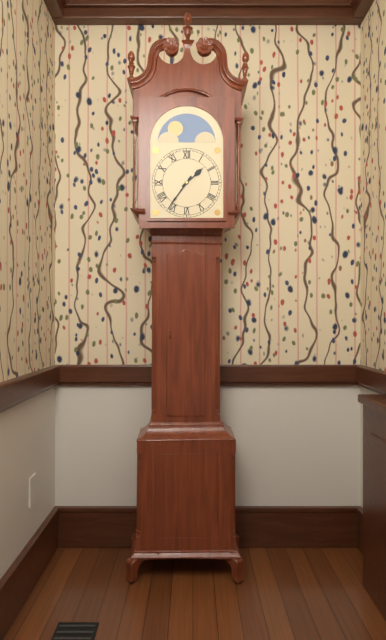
1:36
